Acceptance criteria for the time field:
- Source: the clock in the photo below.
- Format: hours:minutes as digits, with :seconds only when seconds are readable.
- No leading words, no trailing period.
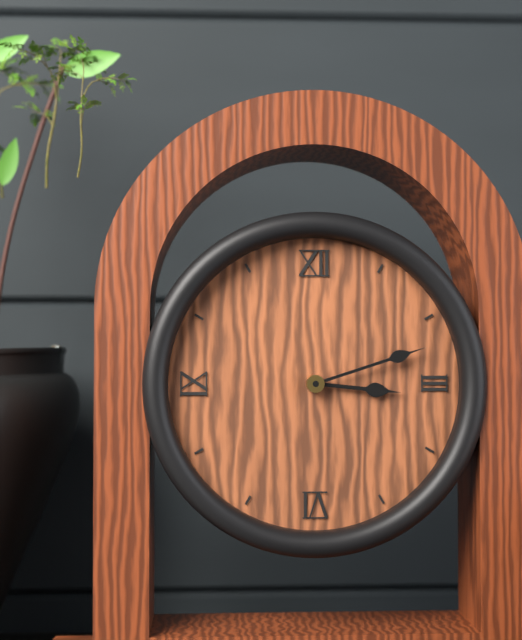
3:12
